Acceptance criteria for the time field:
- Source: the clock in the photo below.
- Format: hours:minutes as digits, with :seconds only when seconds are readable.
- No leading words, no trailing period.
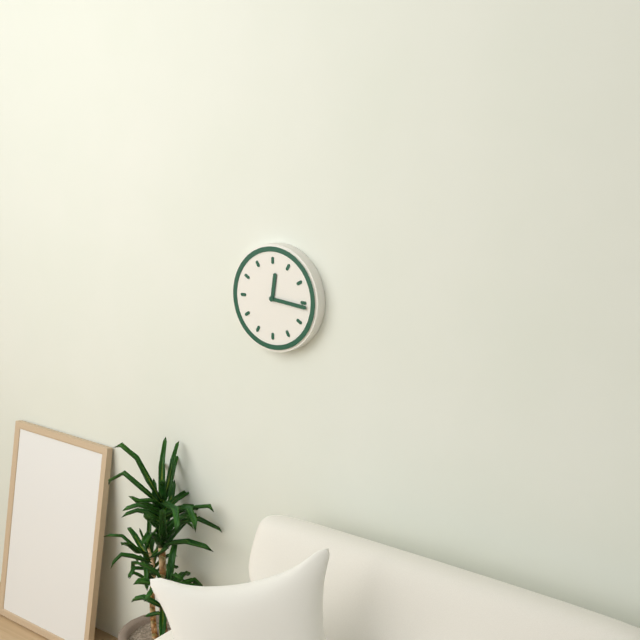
12:16
